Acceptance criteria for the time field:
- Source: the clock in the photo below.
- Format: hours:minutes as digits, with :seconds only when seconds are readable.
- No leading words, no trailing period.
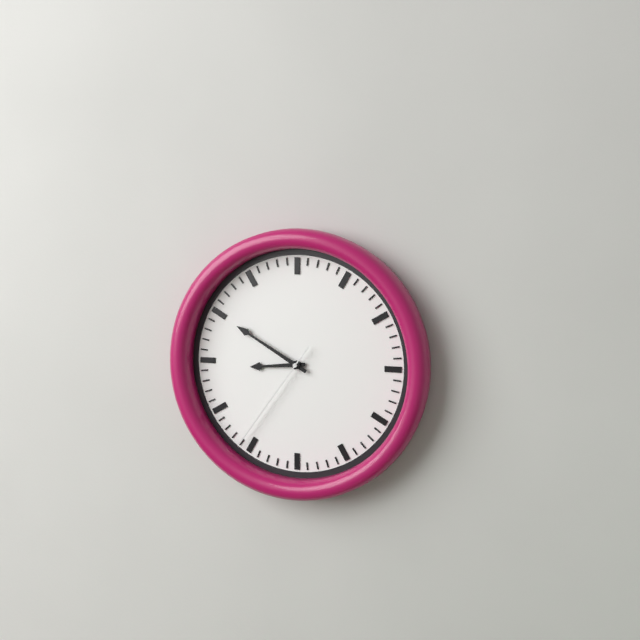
8:50:36
